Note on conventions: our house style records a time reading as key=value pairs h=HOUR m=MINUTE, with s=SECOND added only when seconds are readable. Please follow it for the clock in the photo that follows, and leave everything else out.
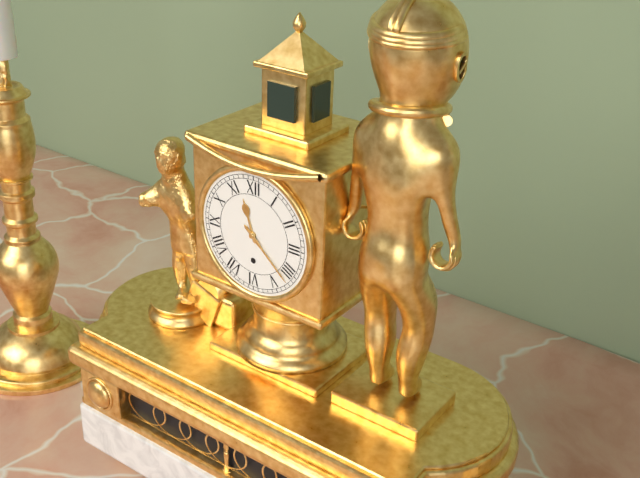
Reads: h=11 m=22
